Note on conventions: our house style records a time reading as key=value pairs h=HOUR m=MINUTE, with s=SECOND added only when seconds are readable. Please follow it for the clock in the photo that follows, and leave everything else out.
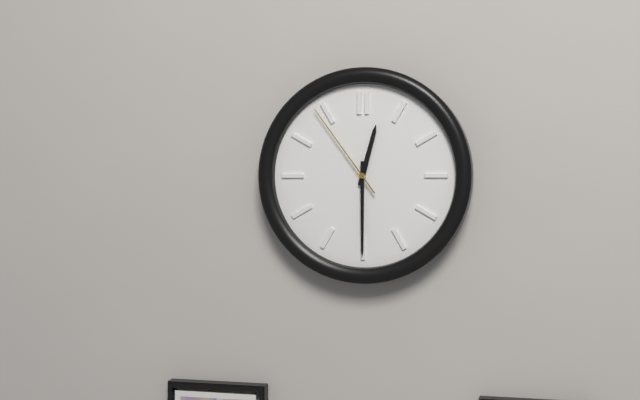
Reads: h=12 m=30 s=54
